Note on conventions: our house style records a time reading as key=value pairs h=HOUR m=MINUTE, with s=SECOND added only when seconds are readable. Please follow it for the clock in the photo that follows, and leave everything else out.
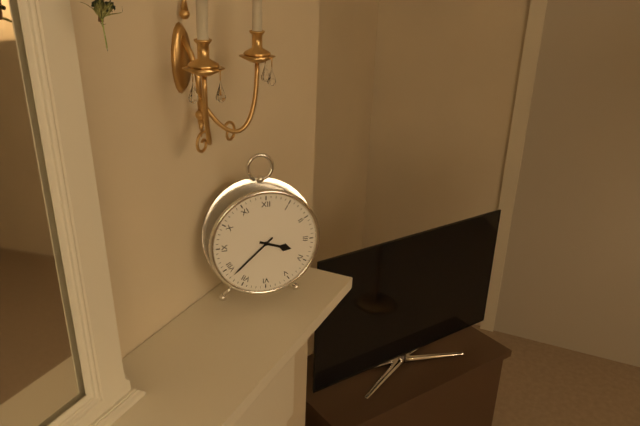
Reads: h=3 m=38
